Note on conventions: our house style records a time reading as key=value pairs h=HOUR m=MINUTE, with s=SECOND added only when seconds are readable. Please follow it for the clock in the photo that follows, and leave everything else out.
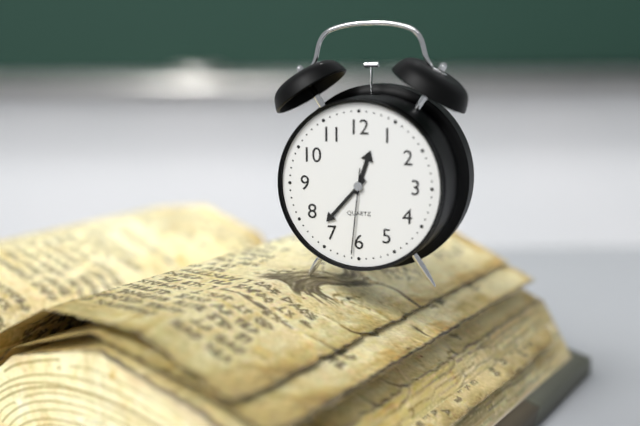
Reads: h=12 m=37 s=31
